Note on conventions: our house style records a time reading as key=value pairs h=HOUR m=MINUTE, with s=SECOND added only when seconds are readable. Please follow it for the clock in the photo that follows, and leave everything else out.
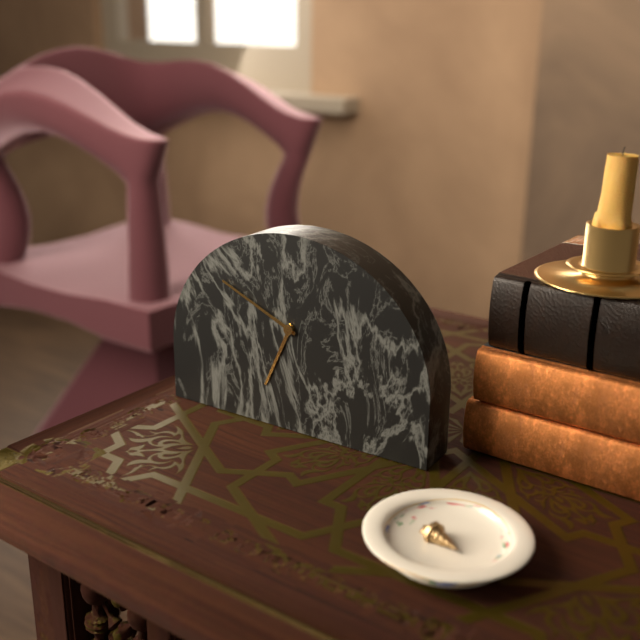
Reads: h=6 m=49
